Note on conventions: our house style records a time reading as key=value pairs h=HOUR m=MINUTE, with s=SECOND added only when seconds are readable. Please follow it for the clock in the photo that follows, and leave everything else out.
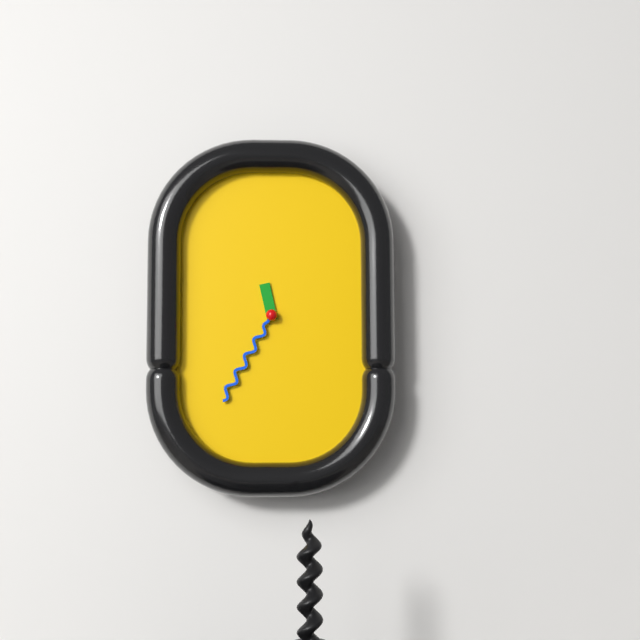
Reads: h=11 m=35
